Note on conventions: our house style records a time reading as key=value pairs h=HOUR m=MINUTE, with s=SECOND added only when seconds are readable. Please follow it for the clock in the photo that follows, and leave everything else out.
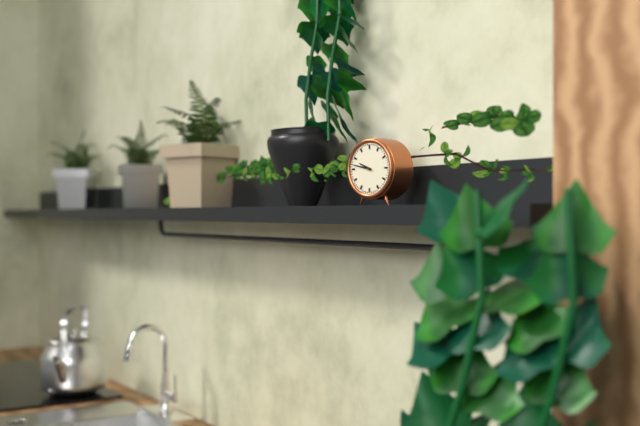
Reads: h=9 m=47
